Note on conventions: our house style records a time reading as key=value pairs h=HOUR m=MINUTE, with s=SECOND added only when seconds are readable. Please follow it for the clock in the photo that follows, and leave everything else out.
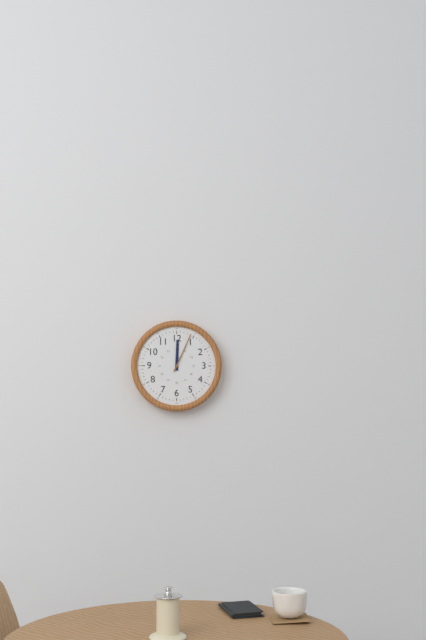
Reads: h=12 m=4
